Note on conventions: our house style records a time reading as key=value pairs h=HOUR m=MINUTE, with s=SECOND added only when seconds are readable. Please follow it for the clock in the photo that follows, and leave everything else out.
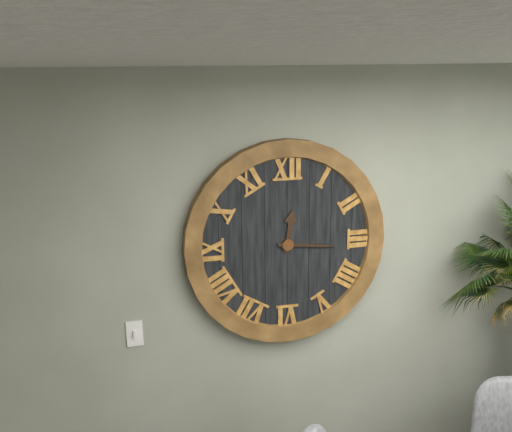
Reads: h=12 m=16
